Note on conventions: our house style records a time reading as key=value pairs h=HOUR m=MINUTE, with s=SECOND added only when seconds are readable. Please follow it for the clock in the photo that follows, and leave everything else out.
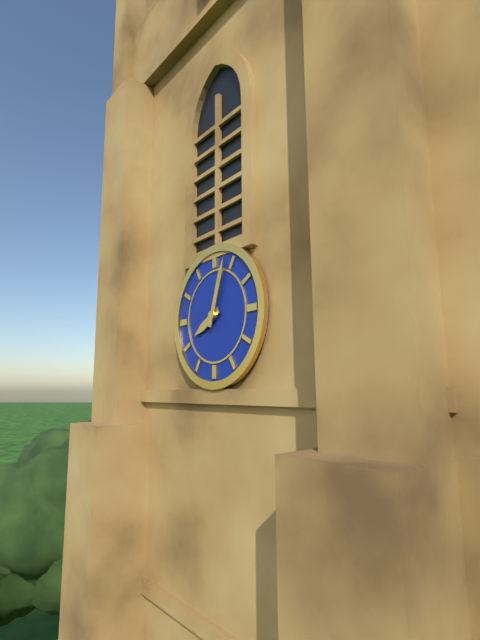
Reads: h=8 m=3
